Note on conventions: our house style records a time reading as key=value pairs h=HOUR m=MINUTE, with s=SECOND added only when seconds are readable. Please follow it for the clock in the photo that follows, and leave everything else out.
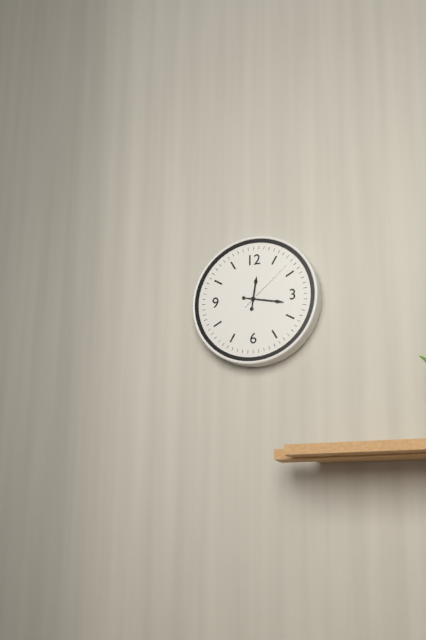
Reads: h=12 m=17 s=8
